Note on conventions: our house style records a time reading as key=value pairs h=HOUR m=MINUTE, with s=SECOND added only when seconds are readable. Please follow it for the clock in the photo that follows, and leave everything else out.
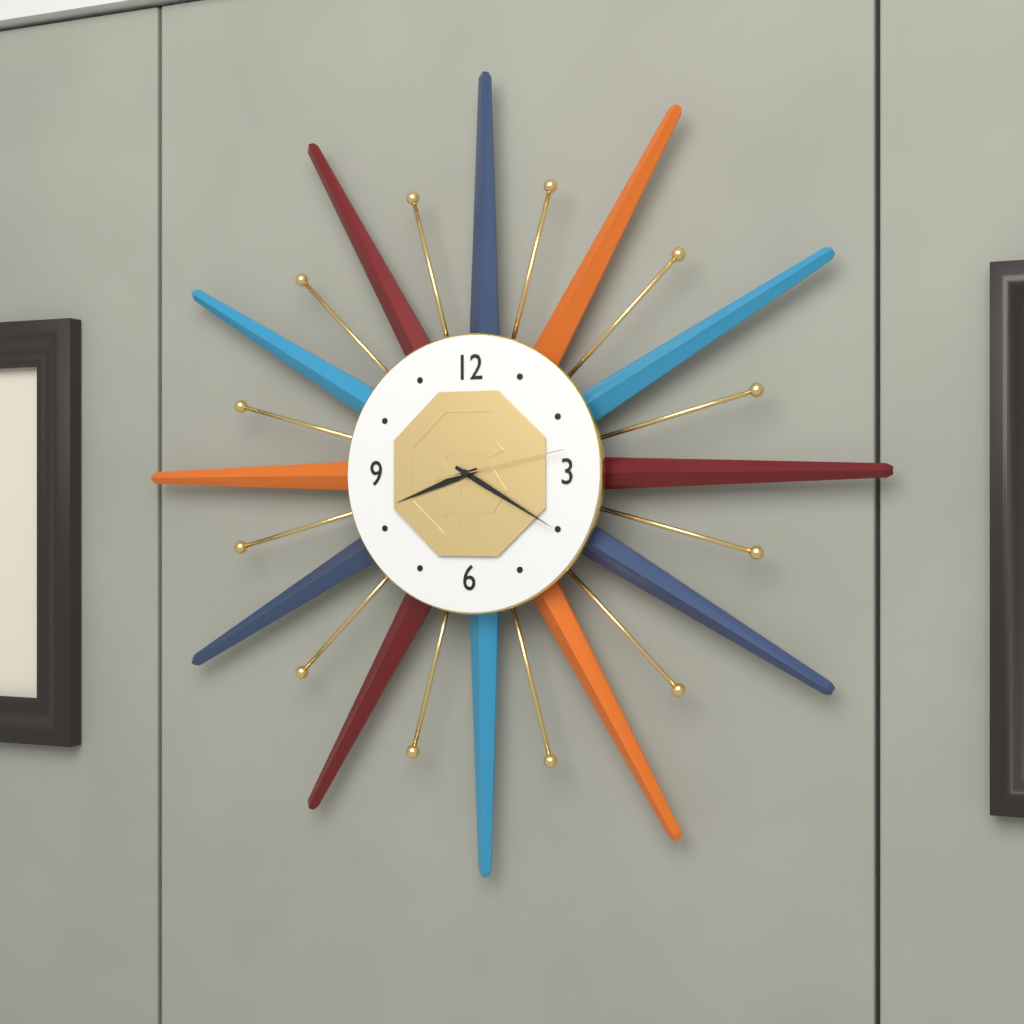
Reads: h=8 m=20 s=13
